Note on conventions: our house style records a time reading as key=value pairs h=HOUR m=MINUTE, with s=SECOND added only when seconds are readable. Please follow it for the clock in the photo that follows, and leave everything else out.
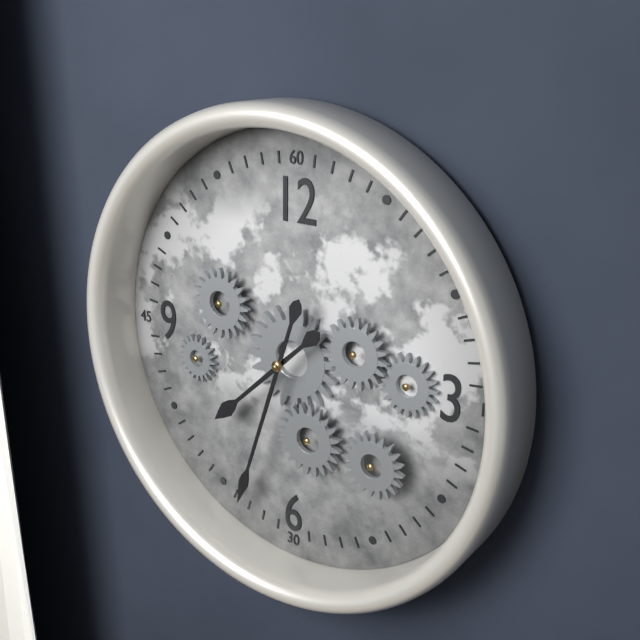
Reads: h=7 m=33
